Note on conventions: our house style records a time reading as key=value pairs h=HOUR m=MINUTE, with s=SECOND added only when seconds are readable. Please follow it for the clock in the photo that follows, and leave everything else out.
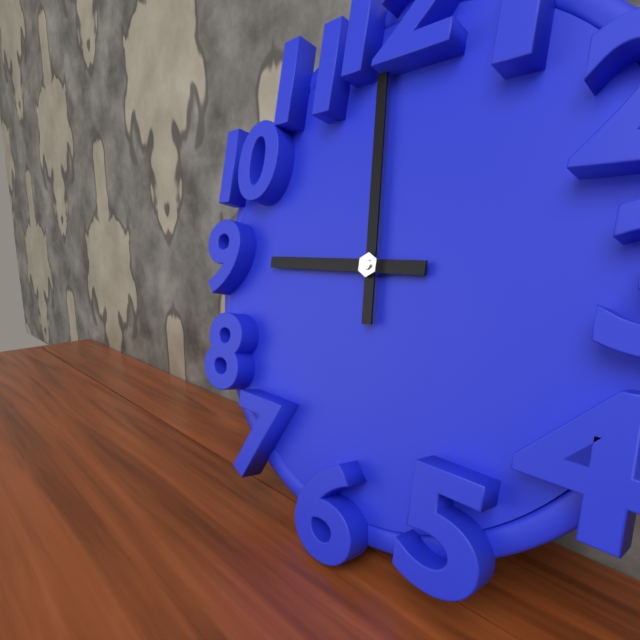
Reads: h=8 m=59
